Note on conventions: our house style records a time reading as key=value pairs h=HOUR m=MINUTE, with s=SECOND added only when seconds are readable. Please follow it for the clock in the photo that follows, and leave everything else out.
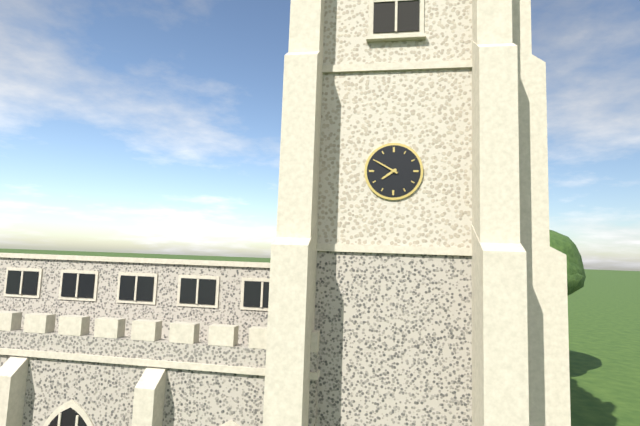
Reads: h=7 m=50
